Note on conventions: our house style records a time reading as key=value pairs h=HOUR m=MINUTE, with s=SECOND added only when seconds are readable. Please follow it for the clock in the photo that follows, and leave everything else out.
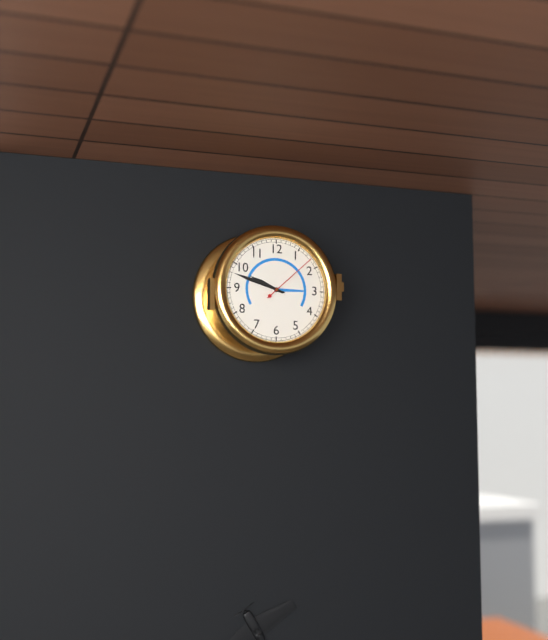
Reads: h=9 m=48 s=8
